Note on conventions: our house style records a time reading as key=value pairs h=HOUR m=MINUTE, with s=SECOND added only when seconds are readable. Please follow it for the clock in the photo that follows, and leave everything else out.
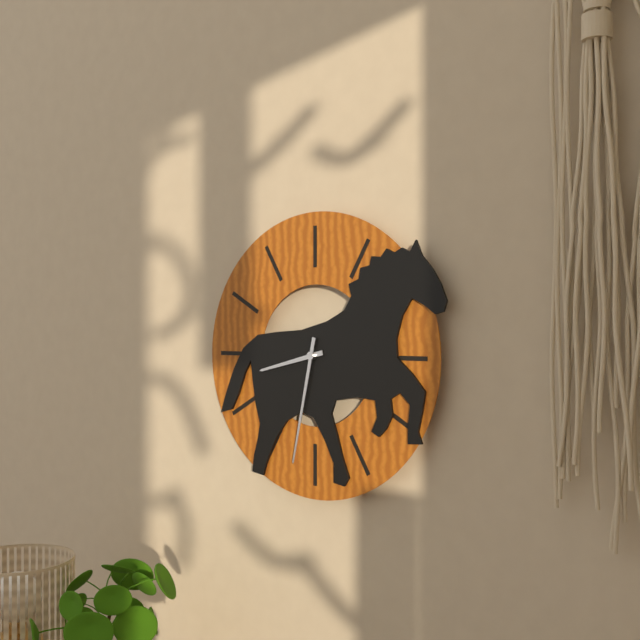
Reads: h=8 m=32
